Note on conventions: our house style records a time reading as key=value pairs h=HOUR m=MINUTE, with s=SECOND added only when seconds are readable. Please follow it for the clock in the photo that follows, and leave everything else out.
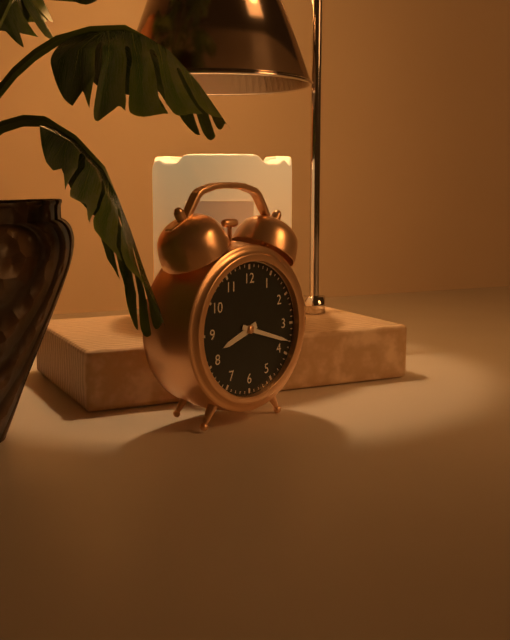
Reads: h=8 m=18
